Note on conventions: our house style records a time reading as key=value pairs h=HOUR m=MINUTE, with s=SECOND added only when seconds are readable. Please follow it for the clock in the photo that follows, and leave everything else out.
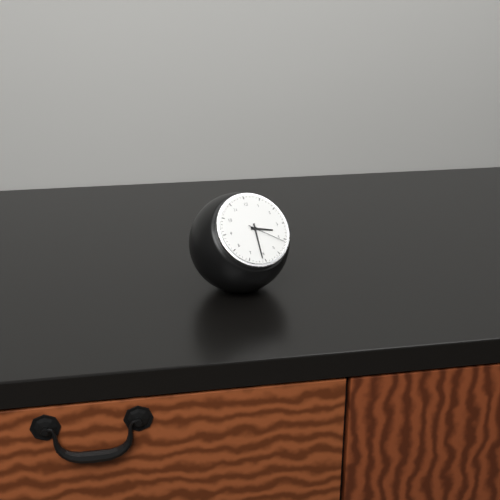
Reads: h=3 m=31
